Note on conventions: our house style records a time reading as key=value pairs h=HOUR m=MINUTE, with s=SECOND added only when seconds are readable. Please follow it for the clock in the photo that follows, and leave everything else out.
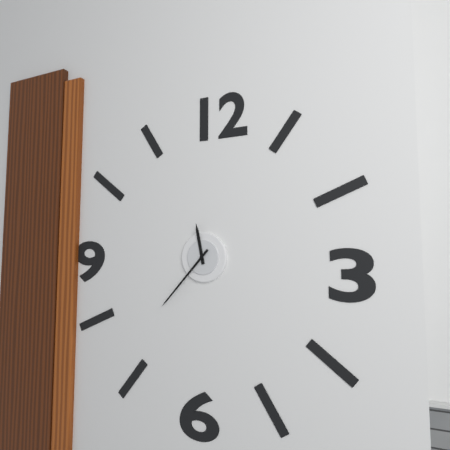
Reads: h=11 m=37
